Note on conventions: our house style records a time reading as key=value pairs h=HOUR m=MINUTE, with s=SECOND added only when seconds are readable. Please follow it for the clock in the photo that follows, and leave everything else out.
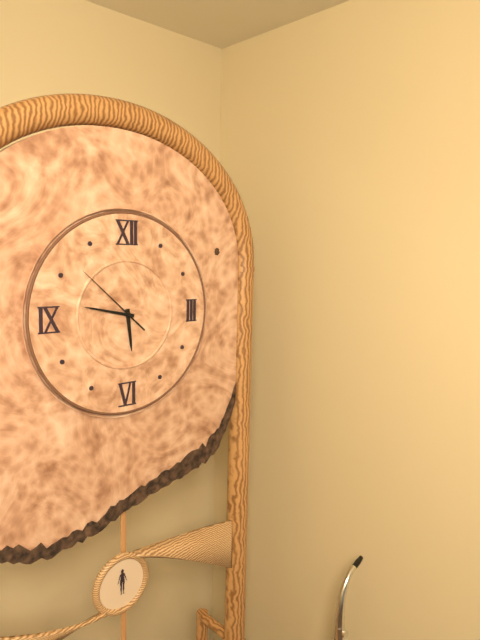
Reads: h=5 m=47 s=52
